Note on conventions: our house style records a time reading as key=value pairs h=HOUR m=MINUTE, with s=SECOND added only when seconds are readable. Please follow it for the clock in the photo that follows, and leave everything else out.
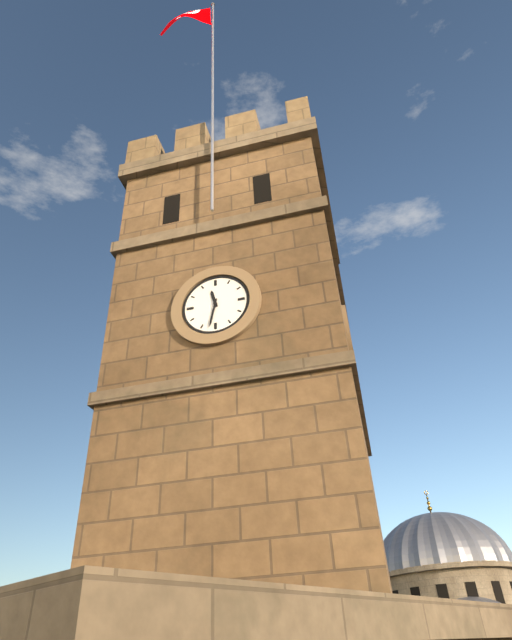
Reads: h=11 m=32
